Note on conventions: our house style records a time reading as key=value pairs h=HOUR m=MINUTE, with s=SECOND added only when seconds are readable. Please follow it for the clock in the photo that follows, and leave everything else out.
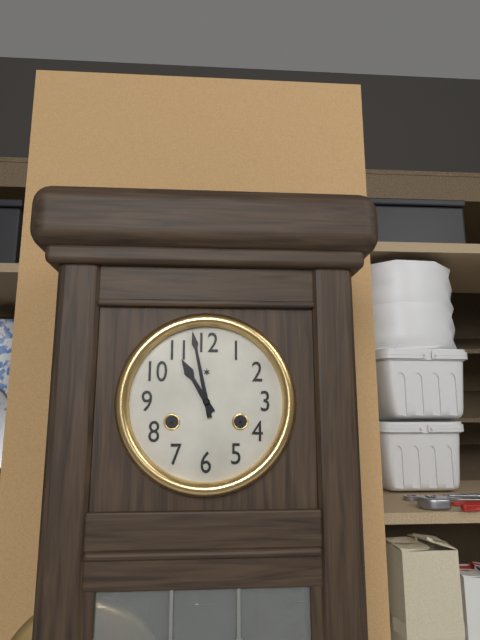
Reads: h=10 m=58
